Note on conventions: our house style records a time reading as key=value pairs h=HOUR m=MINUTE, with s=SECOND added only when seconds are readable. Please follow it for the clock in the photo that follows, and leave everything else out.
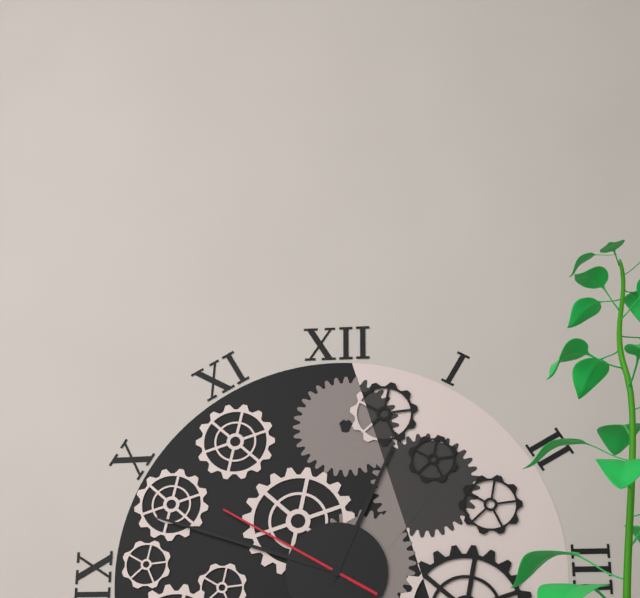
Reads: h=12 m=48 s=50
